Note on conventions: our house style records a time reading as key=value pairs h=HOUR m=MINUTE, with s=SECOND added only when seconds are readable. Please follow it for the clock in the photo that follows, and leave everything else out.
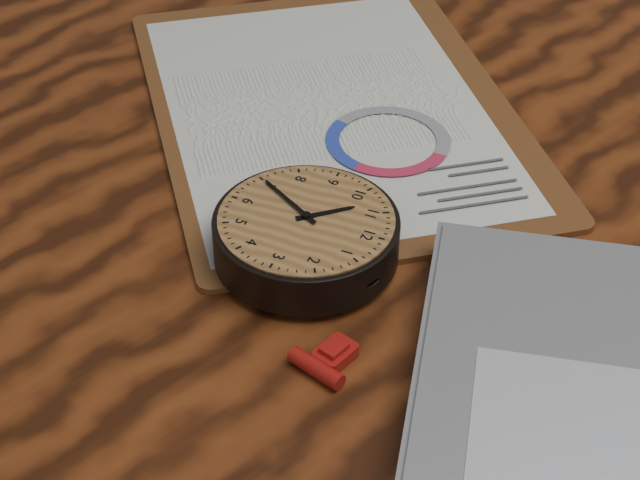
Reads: h=10 m=35
